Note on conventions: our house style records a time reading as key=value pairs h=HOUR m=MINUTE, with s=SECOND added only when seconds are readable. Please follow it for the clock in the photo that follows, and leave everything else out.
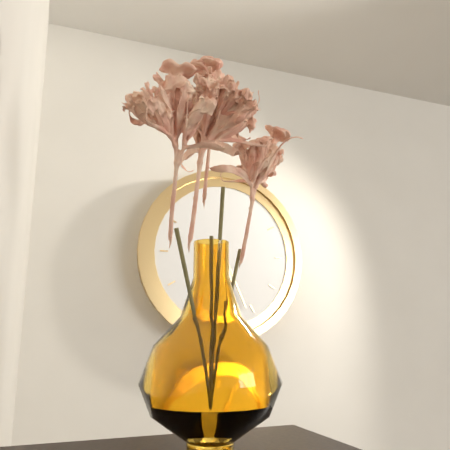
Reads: h=5 m=26
